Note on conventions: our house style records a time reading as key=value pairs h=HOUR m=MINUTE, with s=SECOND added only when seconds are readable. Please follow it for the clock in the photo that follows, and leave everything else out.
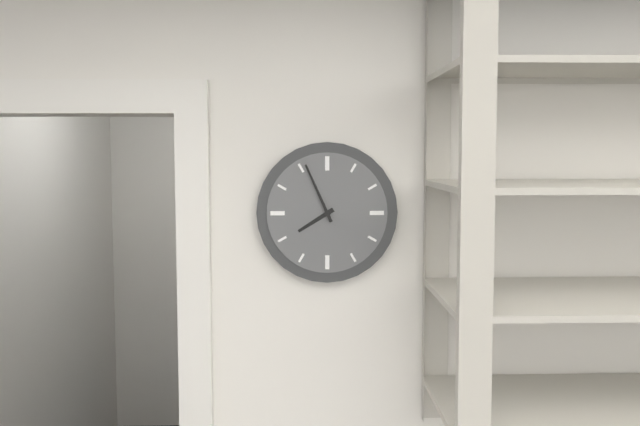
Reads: h=7 m=56
